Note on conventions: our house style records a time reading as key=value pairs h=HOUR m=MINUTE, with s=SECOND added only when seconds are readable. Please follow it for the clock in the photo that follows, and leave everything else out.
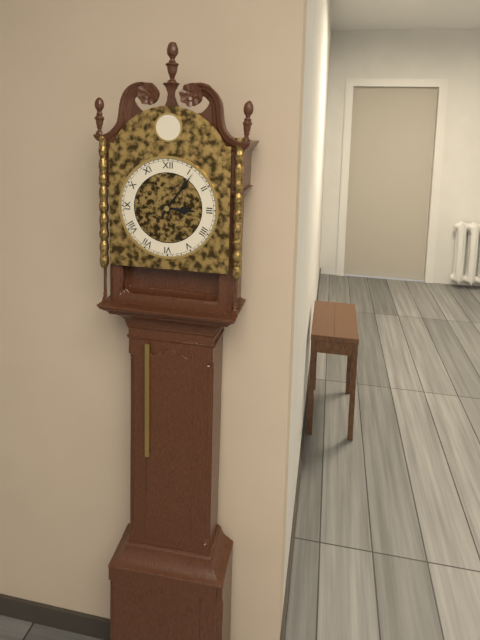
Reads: h=3 m=6
